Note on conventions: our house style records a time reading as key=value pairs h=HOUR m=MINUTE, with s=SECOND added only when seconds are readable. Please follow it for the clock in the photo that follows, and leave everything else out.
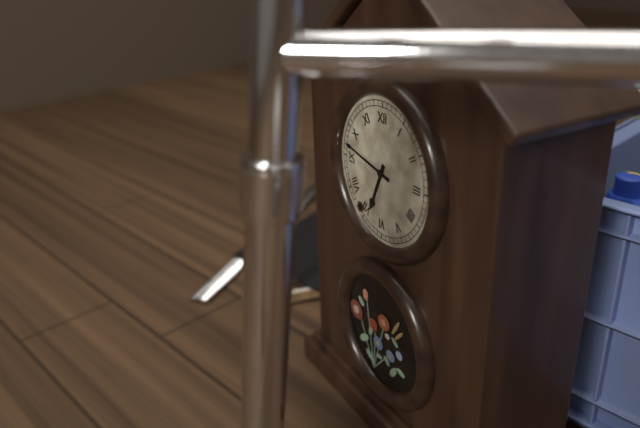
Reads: h=6 m=47
